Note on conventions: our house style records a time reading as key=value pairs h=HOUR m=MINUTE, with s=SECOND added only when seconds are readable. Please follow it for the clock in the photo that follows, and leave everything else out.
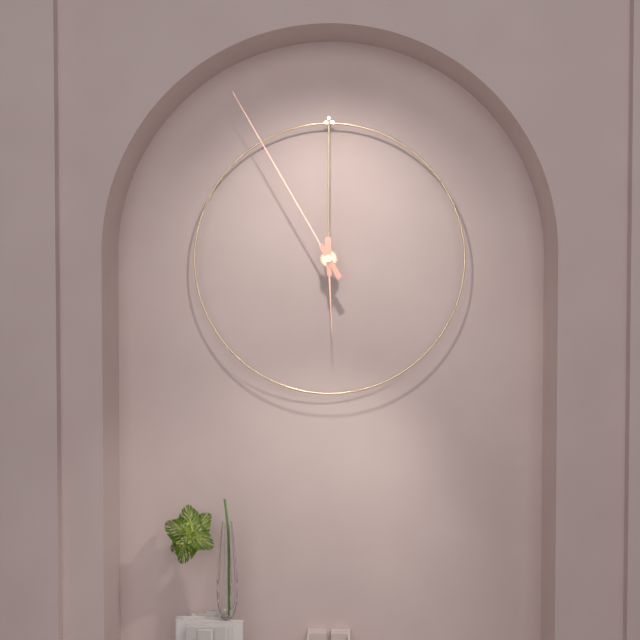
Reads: h=5 m=55
